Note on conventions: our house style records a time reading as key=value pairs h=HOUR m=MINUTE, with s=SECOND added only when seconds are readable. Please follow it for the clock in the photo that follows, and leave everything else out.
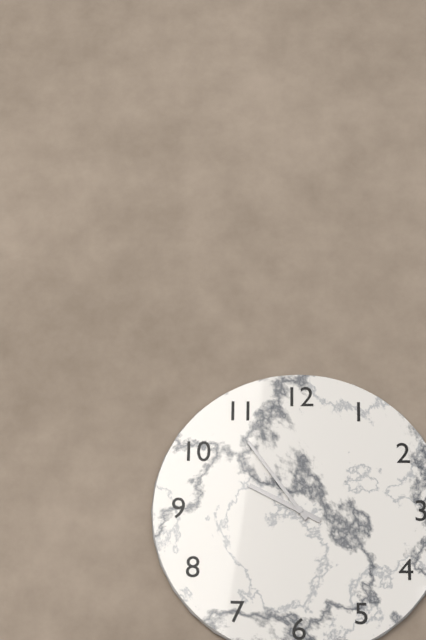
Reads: h=9 m=54
